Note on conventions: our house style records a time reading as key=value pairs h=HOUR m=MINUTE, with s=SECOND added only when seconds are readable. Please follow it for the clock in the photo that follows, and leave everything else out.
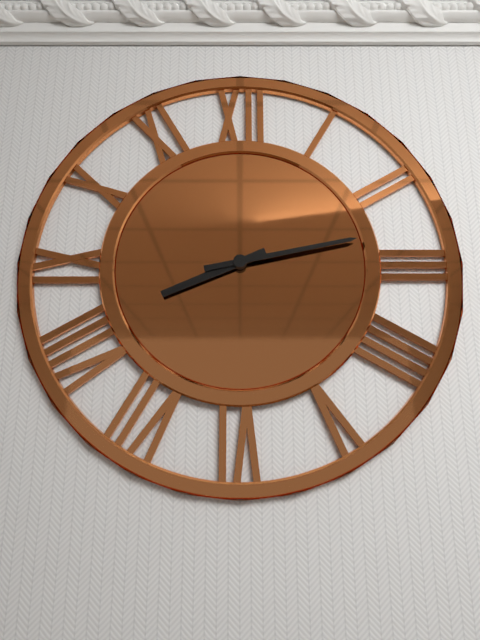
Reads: h=8 m=13
